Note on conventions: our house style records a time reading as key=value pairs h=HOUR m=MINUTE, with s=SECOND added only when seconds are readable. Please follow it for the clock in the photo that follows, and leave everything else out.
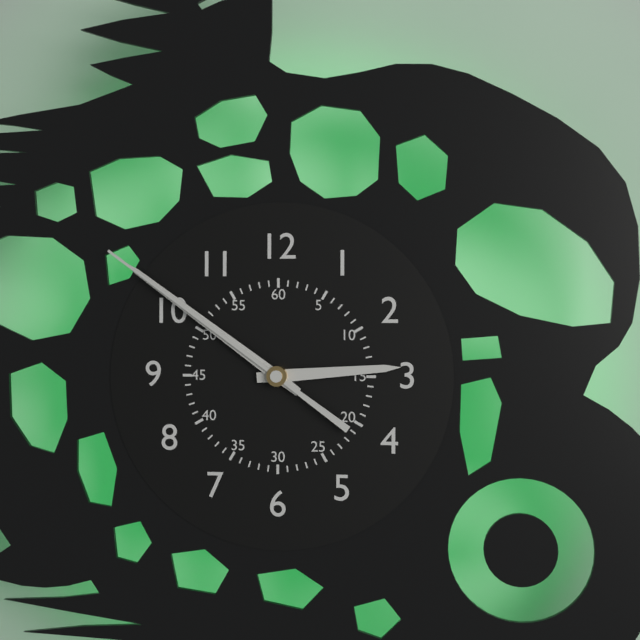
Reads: h=2 m=51 s=51
